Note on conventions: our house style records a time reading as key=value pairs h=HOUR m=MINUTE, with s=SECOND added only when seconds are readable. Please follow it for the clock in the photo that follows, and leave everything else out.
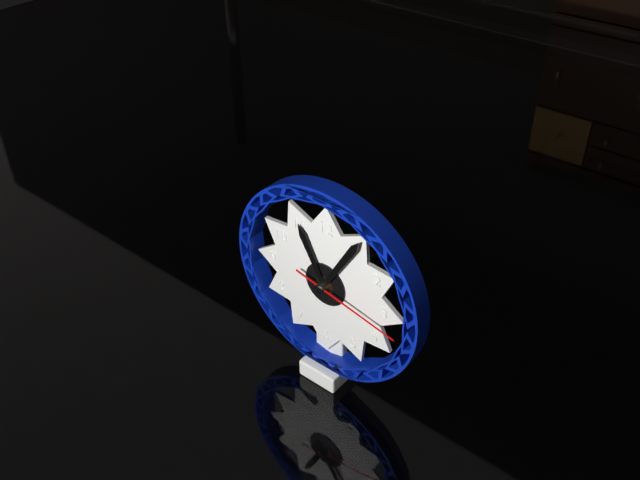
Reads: h=11 m=5 s=17
